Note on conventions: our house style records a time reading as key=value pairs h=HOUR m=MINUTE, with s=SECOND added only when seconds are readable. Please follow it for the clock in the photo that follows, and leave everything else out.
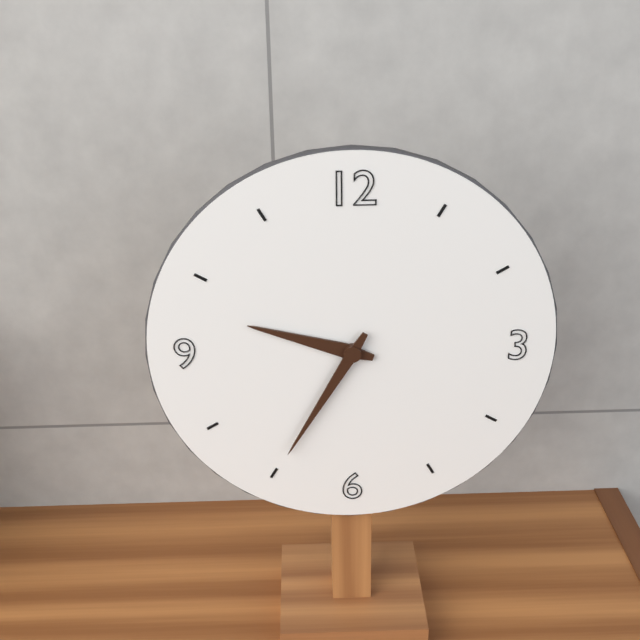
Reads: h=9 m=35
